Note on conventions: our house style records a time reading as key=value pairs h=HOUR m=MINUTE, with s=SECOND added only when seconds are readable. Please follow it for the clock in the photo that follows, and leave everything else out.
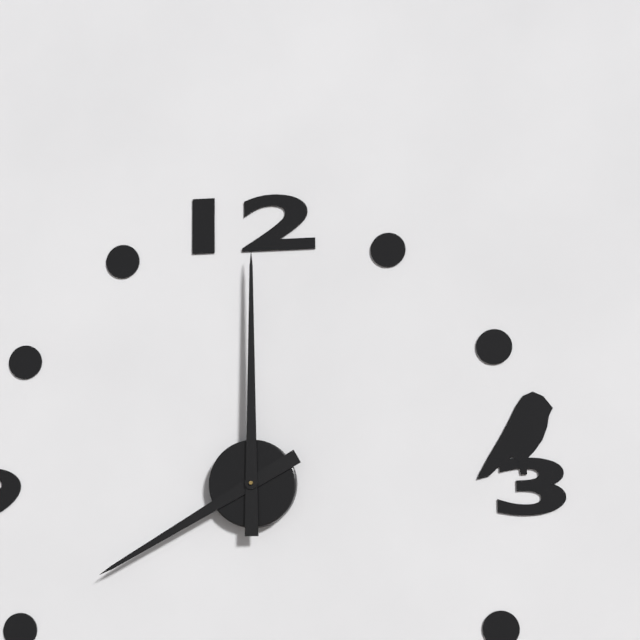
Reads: h=8 m=0
